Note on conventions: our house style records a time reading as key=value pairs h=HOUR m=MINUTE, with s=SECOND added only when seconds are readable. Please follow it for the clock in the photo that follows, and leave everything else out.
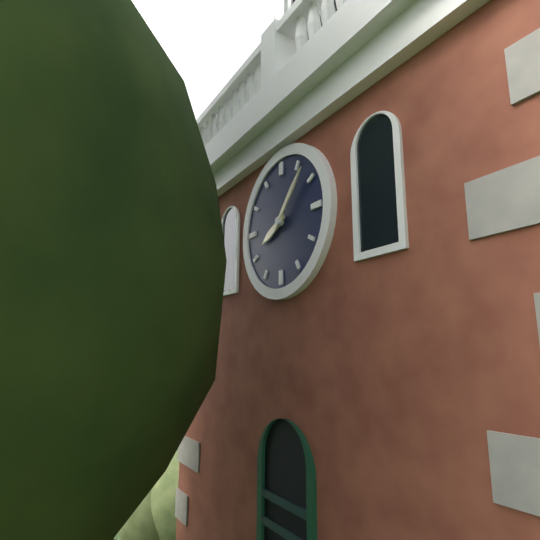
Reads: h=8 m=7
